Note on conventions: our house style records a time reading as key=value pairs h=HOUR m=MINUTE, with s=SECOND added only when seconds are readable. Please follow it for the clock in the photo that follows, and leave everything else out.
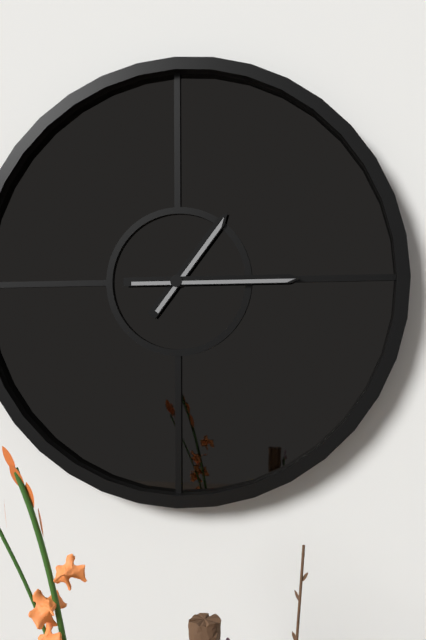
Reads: h=1 m=15
